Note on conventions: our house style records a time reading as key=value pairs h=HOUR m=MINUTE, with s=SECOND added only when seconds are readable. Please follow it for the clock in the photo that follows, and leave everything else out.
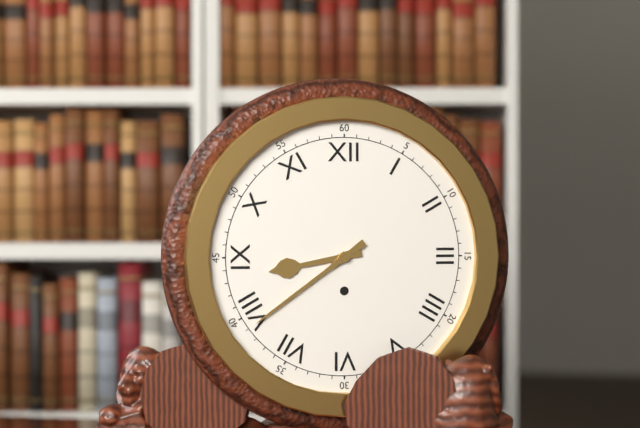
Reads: h=8 m=39
